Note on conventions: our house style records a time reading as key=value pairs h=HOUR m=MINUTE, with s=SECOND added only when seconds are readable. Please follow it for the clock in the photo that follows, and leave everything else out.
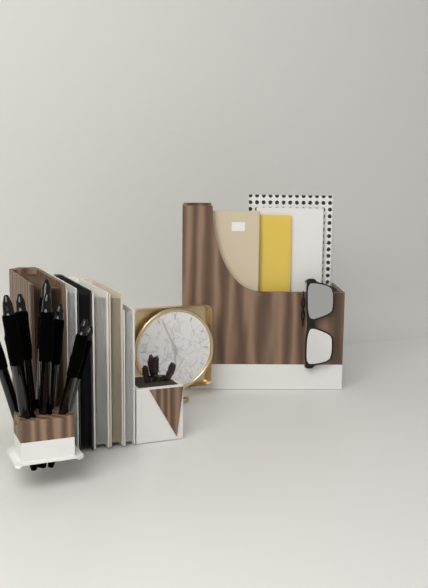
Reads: h=5 m=56
